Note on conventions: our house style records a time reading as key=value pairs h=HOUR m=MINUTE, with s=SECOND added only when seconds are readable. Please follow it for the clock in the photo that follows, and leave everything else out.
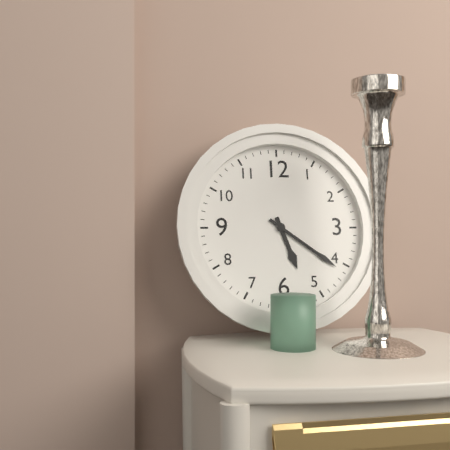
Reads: h=5 m=21
